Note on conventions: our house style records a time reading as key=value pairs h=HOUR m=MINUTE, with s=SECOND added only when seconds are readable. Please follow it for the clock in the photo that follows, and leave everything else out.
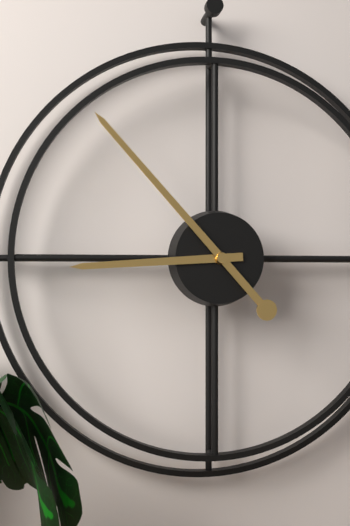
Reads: h=8 m=53
